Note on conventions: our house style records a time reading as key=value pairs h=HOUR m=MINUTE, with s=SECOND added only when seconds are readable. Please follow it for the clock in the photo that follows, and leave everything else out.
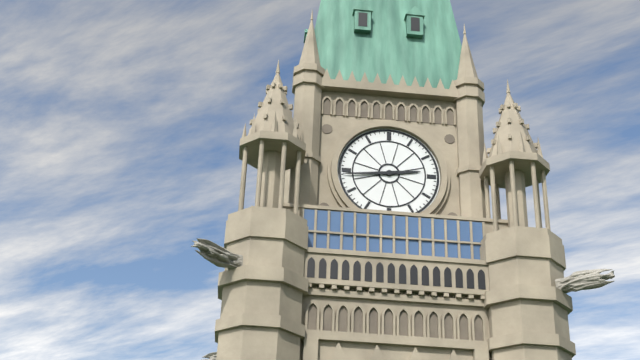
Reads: h=2 m=44
